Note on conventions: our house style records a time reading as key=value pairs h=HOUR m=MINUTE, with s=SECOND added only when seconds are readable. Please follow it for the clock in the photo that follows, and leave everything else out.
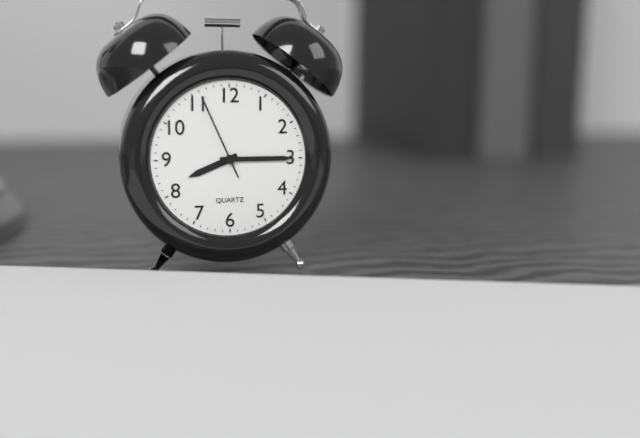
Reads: h=8 m=15 s=56
